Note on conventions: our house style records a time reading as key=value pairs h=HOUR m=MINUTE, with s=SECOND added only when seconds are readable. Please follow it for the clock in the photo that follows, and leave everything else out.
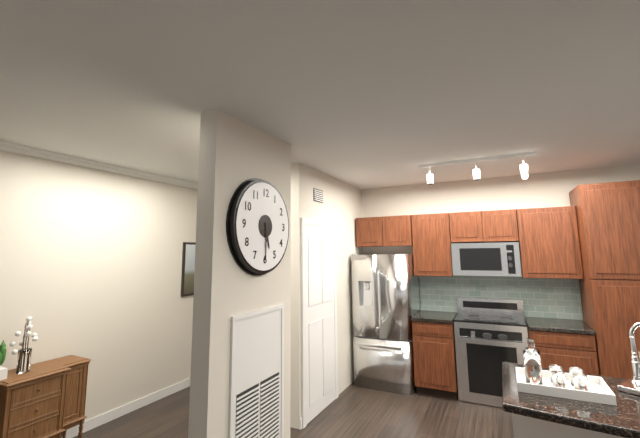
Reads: h=5 m=30
